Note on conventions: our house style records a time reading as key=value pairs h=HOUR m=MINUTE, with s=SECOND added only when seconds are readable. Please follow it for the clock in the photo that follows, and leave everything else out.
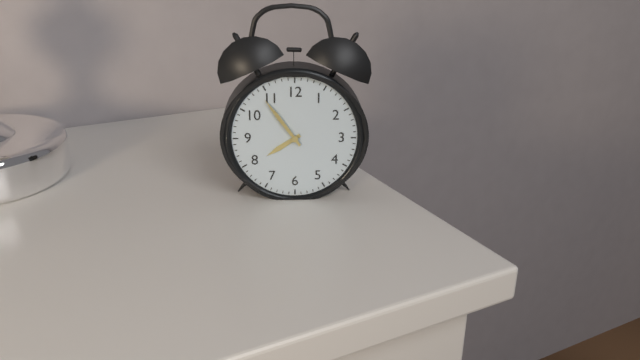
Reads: h=7 m=54
